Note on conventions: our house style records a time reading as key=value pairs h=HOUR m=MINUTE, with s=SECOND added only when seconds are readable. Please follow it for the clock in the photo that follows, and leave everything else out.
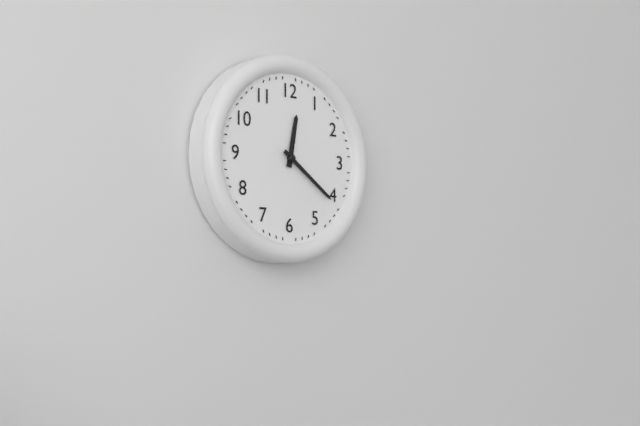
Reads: h=12 m=21
